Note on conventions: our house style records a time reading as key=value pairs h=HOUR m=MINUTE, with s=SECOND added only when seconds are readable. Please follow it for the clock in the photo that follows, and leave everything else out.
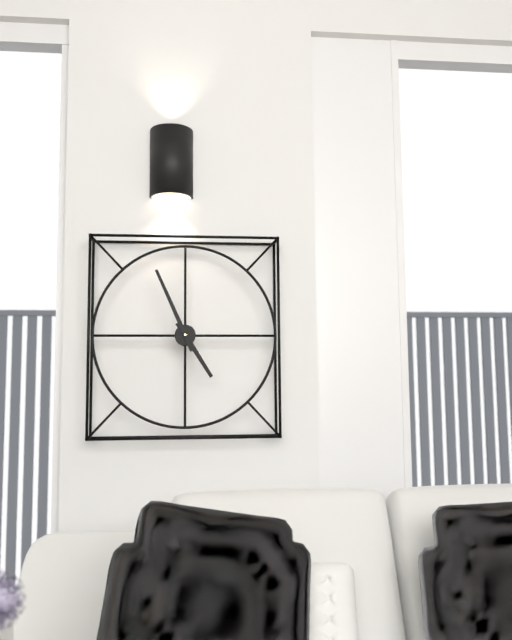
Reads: h=4 m=56
